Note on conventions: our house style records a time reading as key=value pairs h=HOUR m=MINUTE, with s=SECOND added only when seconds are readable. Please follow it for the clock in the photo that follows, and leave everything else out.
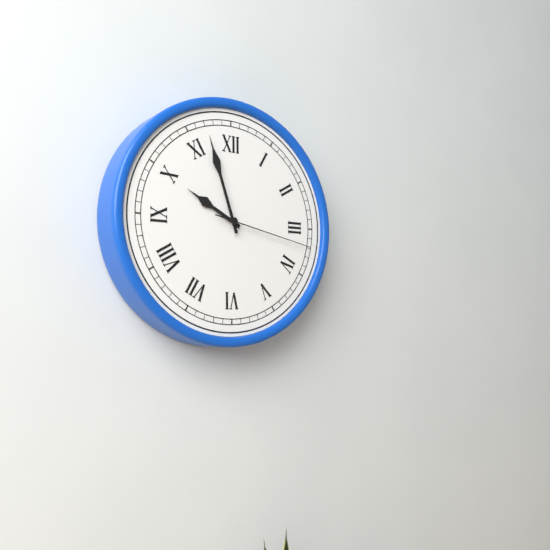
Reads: h=9 m=57 s=17
